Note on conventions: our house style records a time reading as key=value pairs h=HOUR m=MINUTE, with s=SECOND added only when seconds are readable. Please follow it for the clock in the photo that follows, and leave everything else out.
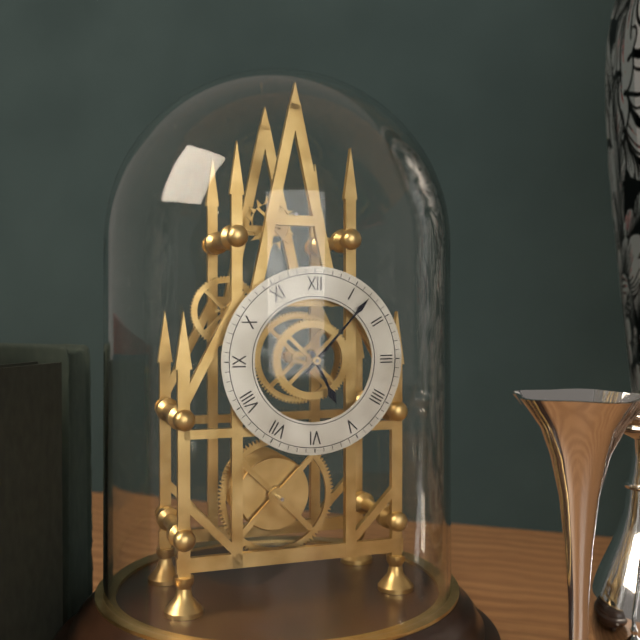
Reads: h=5 m=7
